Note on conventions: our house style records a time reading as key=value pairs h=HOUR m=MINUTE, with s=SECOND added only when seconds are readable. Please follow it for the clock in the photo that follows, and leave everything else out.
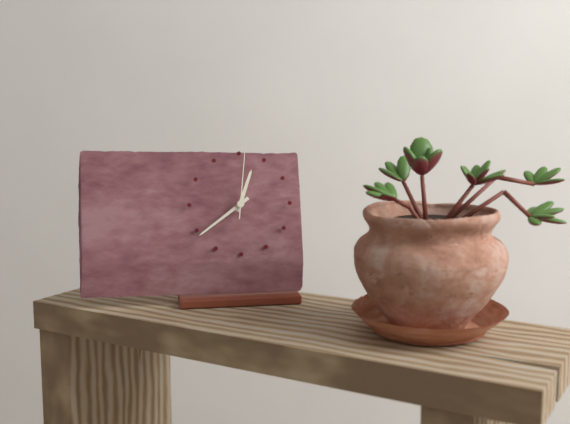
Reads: h=12 m=39 s=1
